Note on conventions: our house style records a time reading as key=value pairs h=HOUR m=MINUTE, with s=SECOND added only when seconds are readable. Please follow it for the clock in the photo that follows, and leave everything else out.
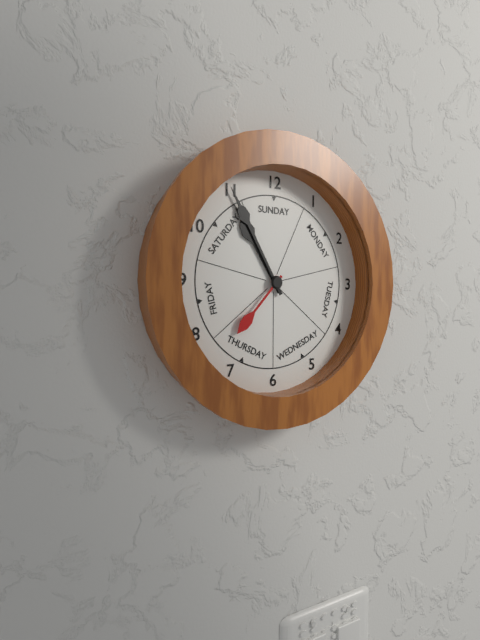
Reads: h=10 m=55 s=37
